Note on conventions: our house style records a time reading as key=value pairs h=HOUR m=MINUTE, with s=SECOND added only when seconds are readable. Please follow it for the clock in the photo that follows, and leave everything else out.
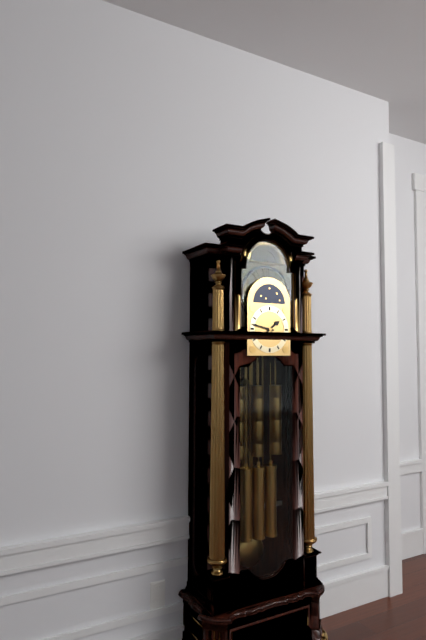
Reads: h=1 m=47
